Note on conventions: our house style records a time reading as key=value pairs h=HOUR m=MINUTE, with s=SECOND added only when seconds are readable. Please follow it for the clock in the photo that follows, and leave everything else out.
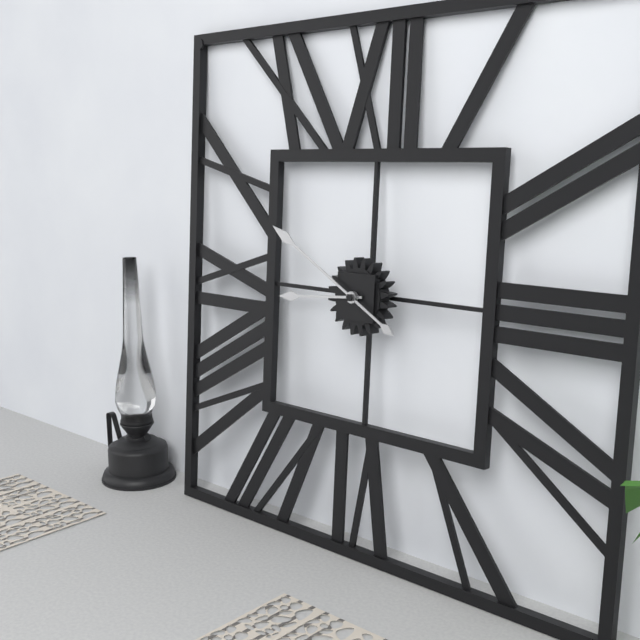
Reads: h=8 m=50
